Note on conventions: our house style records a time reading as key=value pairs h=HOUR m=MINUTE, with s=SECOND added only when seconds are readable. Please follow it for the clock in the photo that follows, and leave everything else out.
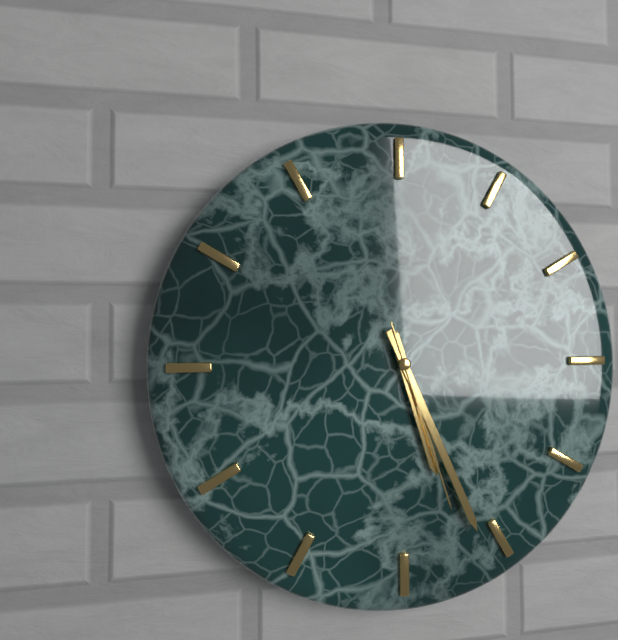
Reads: h=5 m=26 s=27
